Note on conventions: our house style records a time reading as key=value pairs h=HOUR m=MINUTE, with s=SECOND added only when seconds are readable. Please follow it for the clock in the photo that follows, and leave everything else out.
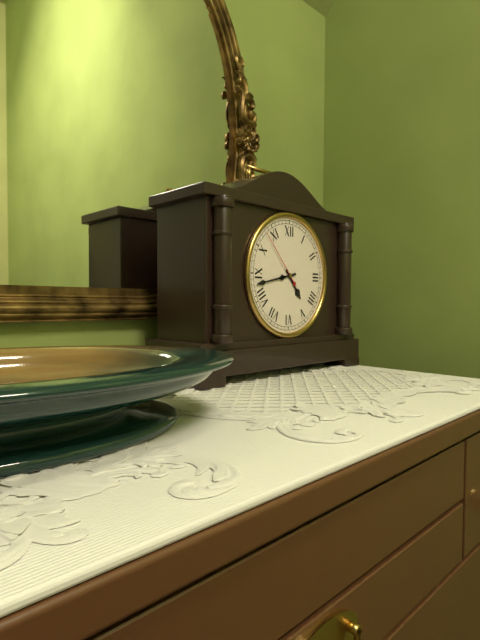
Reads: h=4 m=43 s=53
